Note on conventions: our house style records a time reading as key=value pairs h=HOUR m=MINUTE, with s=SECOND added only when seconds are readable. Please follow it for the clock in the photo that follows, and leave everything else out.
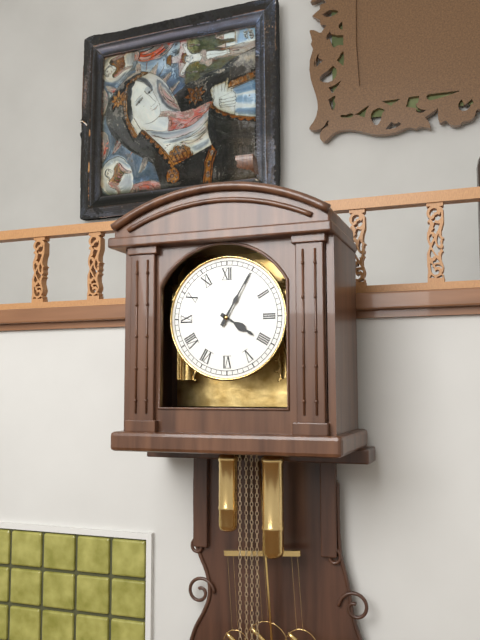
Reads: h=4 m=5
